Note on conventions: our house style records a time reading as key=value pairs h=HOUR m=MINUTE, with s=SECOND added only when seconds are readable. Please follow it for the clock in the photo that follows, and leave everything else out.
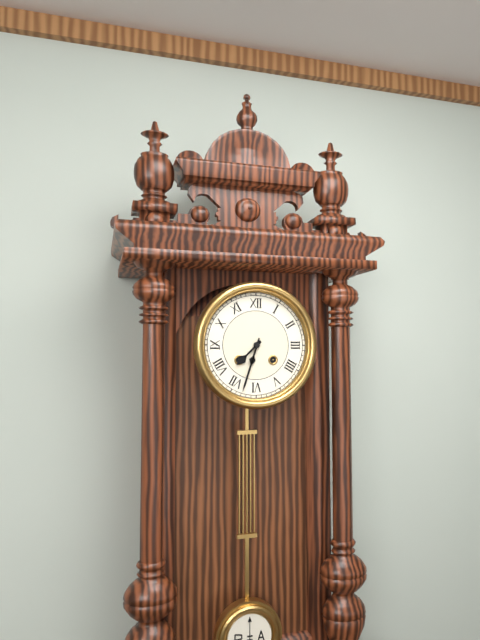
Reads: h=7 m=33
